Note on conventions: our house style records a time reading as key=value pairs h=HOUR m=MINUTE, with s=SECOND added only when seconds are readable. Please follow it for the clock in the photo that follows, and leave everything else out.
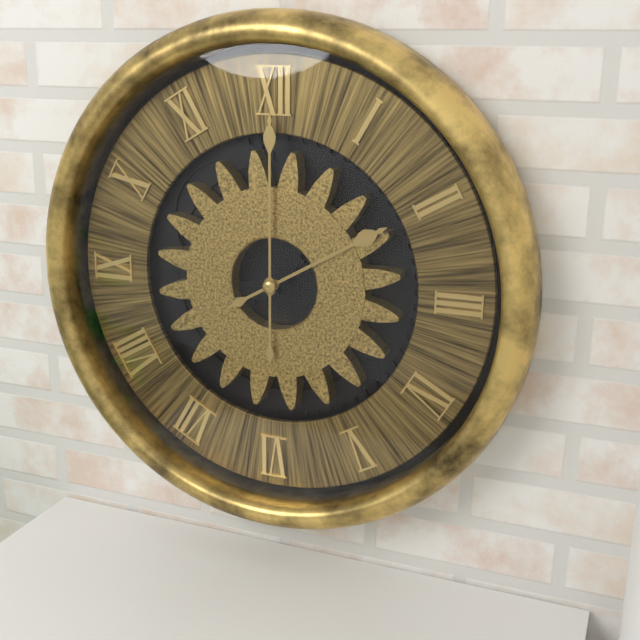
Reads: h=2 m=0
